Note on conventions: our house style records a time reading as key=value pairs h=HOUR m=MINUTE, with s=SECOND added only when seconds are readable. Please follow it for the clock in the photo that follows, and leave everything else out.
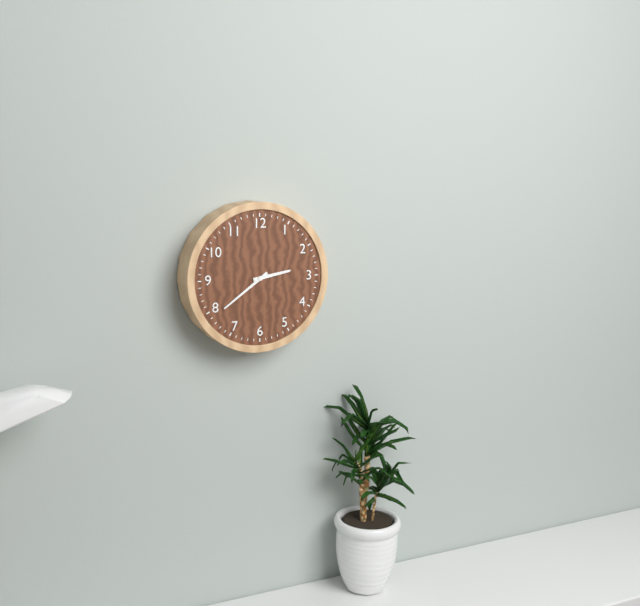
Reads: h=2 m=39
